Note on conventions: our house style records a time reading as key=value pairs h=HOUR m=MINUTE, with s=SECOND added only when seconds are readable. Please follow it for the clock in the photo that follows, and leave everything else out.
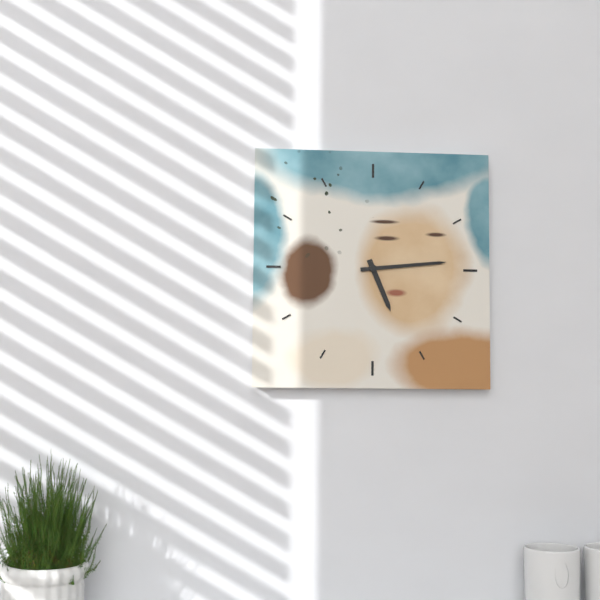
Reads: h=5 m=14
